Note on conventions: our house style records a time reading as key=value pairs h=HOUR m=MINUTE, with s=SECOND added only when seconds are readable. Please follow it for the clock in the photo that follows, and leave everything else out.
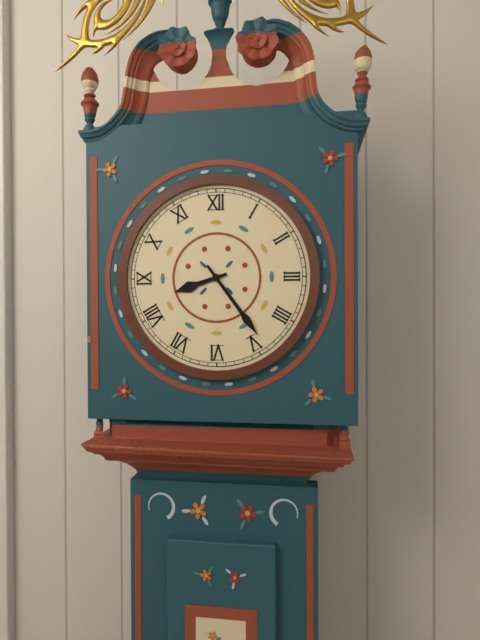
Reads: h=8 m=24
